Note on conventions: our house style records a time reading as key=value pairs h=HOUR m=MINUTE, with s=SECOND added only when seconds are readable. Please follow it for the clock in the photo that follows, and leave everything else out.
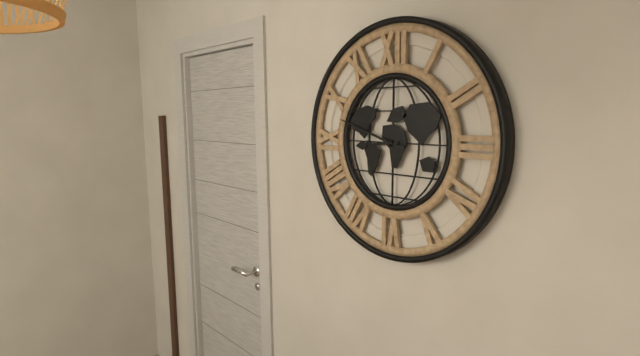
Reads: h=8 m=48
